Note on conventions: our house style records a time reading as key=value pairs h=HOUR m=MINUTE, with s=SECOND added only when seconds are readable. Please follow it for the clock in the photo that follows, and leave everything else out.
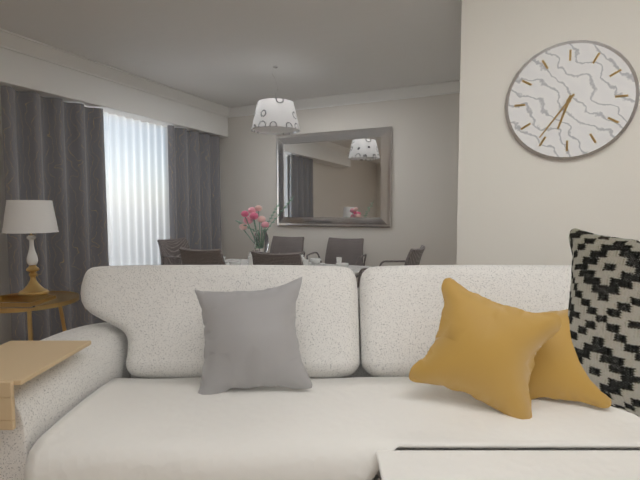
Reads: h=6 m=36
